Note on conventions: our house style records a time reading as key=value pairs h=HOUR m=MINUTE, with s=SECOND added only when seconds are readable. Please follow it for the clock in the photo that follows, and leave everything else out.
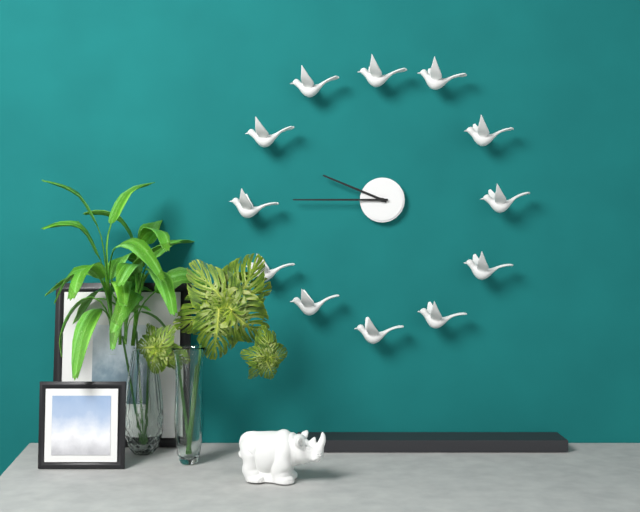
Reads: h=9 m=45
